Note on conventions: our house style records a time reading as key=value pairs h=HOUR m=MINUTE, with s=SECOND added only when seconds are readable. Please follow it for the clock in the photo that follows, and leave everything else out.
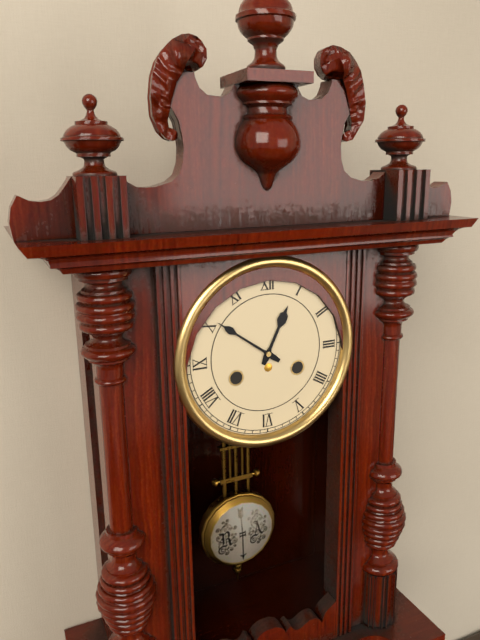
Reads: h=12 m=51
